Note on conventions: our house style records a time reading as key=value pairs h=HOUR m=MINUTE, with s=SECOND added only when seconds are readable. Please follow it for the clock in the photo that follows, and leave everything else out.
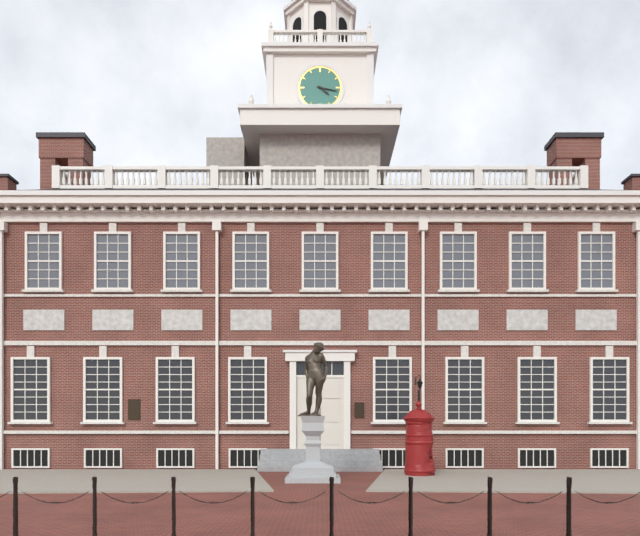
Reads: h=4 m=17
